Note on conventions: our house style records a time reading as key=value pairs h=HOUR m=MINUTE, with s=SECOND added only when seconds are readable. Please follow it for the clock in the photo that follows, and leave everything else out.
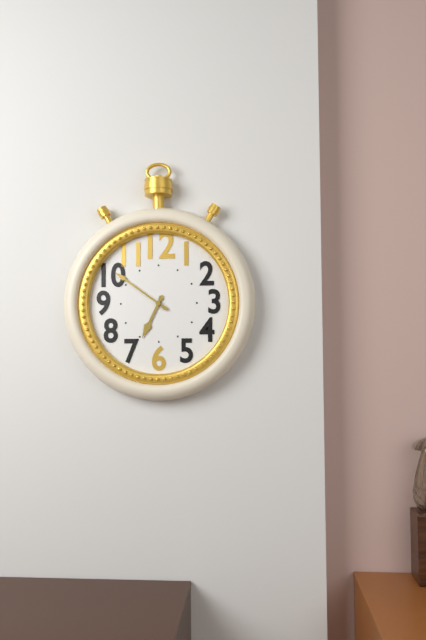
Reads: h=6 m=51
